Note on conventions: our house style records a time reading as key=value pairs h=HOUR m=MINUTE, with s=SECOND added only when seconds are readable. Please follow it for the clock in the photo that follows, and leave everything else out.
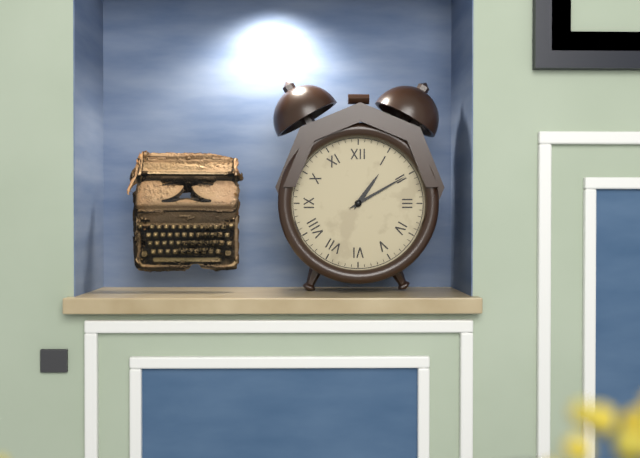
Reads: h=1 m=10
